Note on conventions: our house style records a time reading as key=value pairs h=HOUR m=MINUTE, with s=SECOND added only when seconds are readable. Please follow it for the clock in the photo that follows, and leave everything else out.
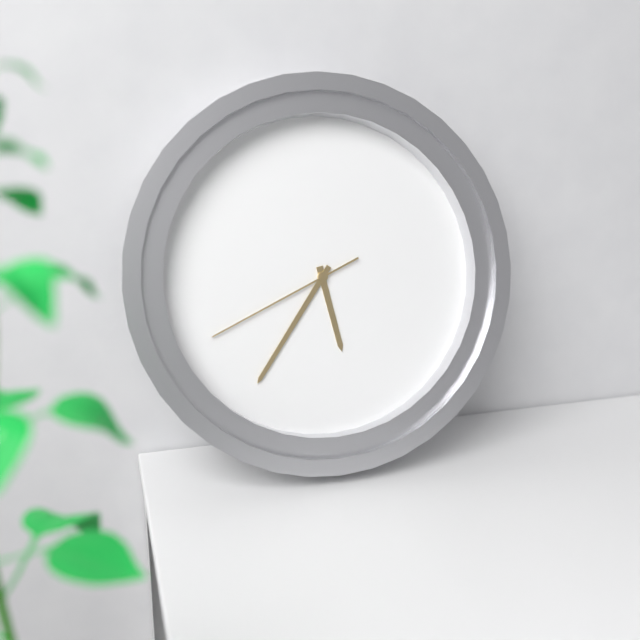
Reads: h=5 m=36 s=41
